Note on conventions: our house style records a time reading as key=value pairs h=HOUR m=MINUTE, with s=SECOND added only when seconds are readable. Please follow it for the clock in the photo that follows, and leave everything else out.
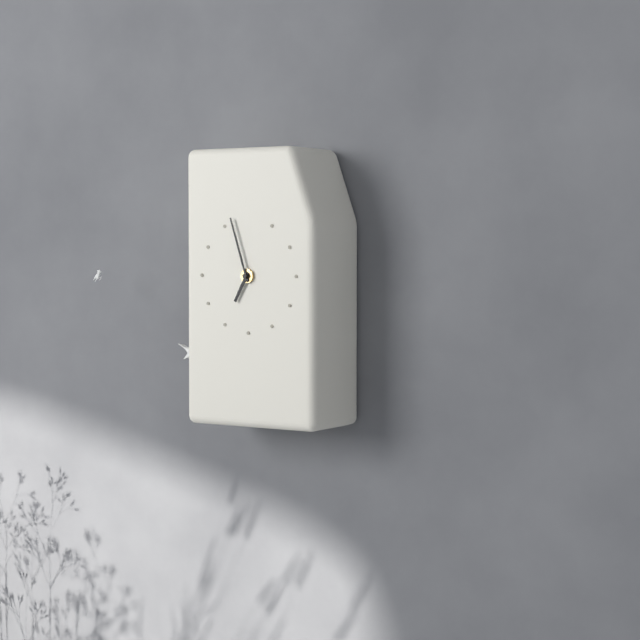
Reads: h=6 m=57
